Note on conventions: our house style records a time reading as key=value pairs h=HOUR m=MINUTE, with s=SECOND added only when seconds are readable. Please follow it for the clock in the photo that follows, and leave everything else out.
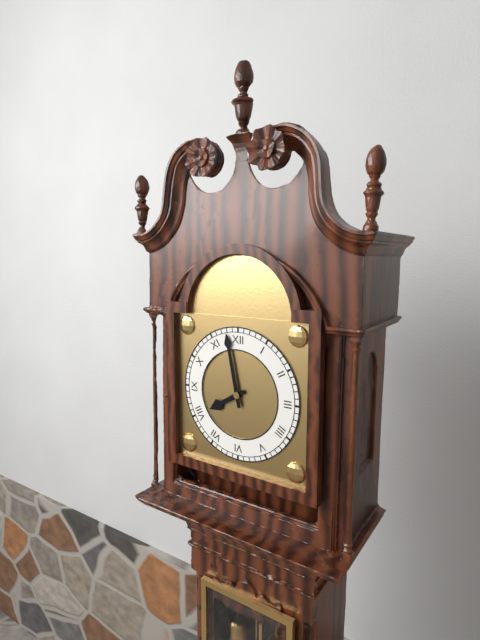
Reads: h=7 m=58
